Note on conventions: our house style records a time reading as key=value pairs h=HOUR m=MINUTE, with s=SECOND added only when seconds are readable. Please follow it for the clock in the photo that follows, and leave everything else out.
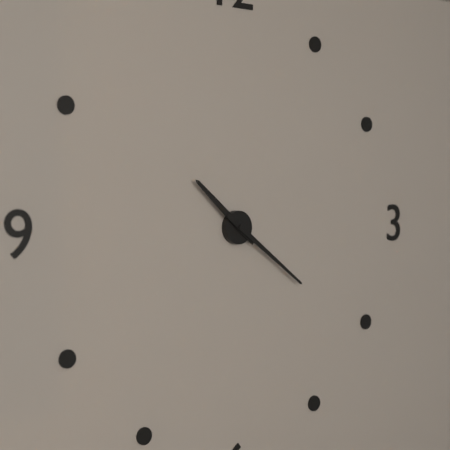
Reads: h=10 m=21
